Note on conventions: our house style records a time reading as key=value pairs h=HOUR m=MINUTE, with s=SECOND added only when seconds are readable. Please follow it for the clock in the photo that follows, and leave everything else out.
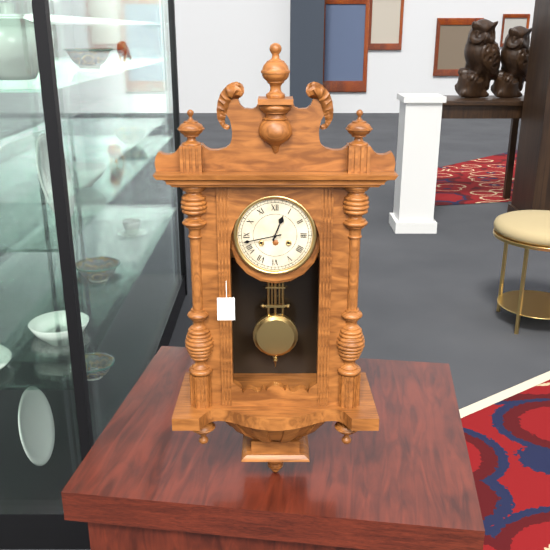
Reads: h=12 m=43
